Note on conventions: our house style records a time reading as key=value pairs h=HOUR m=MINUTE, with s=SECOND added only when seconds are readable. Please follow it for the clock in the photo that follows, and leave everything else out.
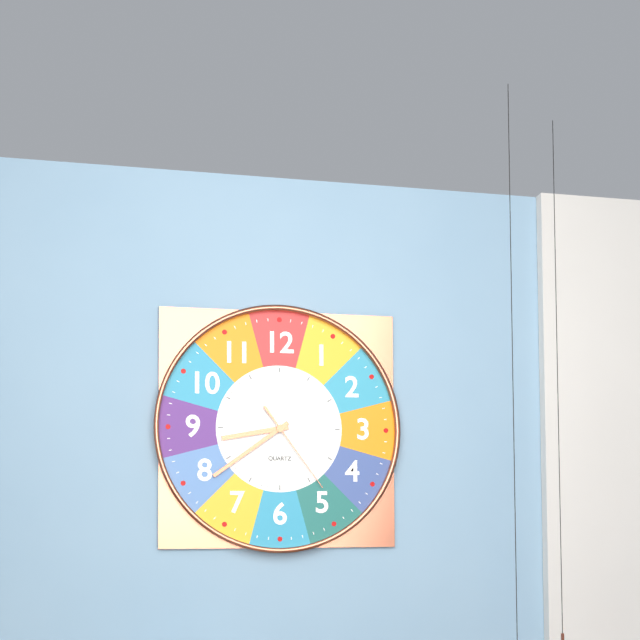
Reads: h=8 m=39 s=24
